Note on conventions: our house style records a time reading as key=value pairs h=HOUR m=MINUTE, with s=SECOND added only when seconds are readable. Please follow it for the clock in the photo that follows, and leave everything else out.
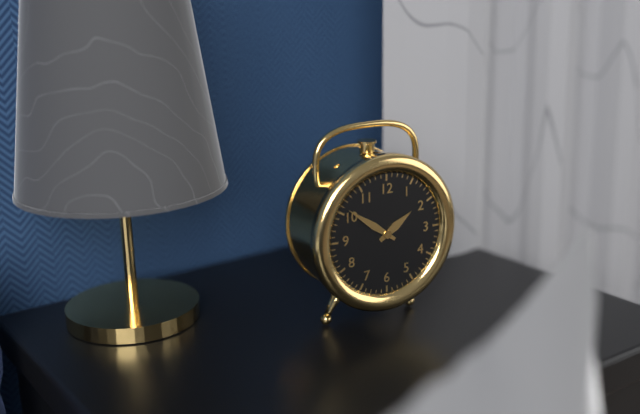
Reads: h=1 m=51
